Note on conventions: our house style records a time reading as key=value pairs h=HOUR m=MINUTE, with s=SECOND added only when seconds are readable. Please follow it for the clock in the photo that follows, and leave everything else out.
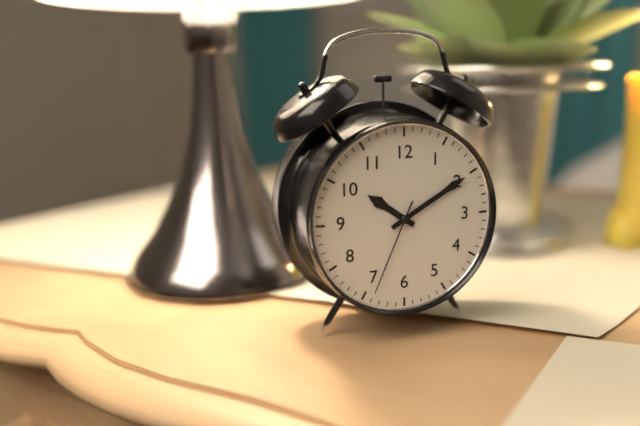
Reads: h=10 m=10 s=34
